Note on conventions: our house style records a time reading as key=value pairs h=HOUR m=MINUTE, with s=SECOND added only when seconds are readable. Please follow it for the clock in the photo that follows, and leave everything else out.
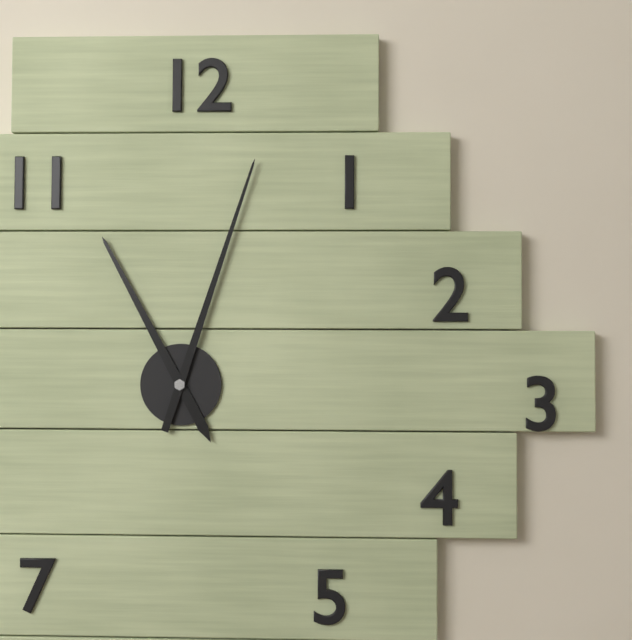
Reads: h=11 m=3
